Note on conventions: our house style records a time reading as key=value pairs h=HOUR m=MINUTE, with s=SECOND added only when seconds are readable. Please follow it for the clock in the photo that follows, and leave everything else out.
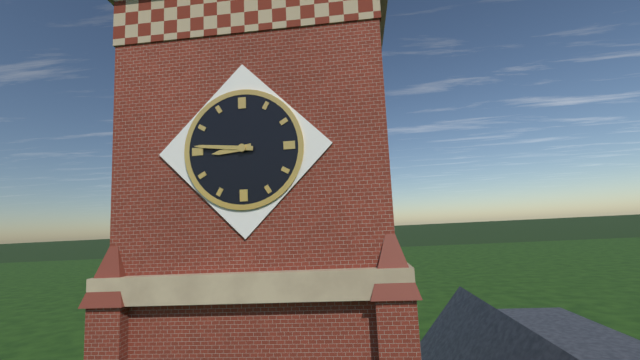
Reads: h=8 m=46
